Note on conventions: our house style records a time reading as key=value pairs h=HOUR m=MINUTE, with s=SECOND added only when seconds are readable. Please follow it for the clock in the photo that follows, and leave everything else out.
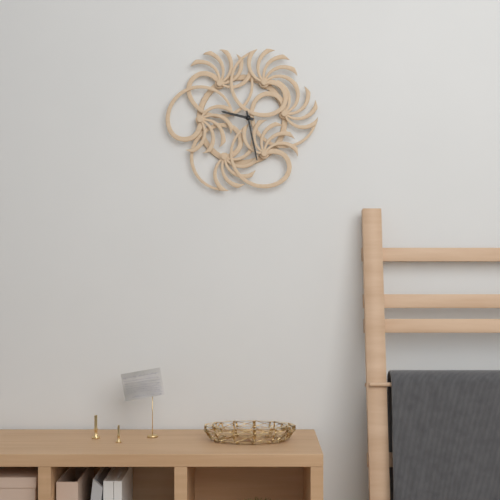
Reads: h=9 m=28
